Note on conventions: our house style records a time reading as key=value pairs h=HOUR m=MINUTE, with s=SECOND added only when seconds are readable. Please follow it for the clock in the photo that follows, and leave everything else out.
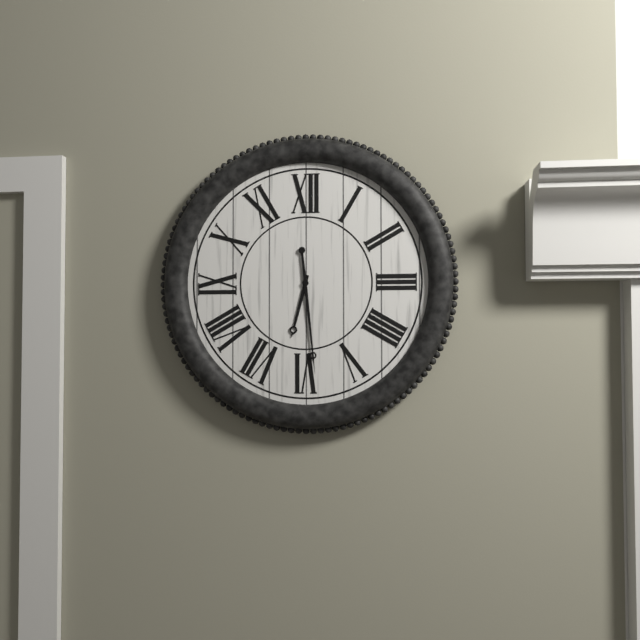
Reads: h=6 m=29
